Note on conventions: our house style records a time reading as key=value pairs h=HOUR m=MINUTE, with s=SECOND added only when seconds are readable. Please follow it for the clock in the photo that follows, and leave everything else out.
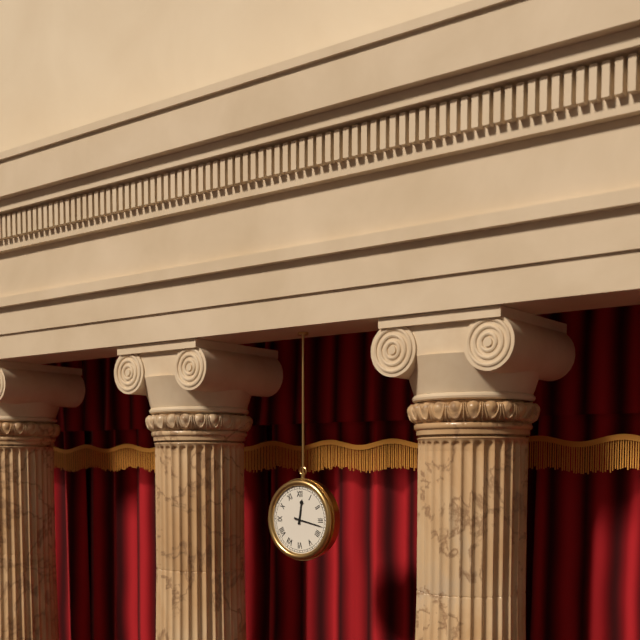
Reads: h=12 m=17
